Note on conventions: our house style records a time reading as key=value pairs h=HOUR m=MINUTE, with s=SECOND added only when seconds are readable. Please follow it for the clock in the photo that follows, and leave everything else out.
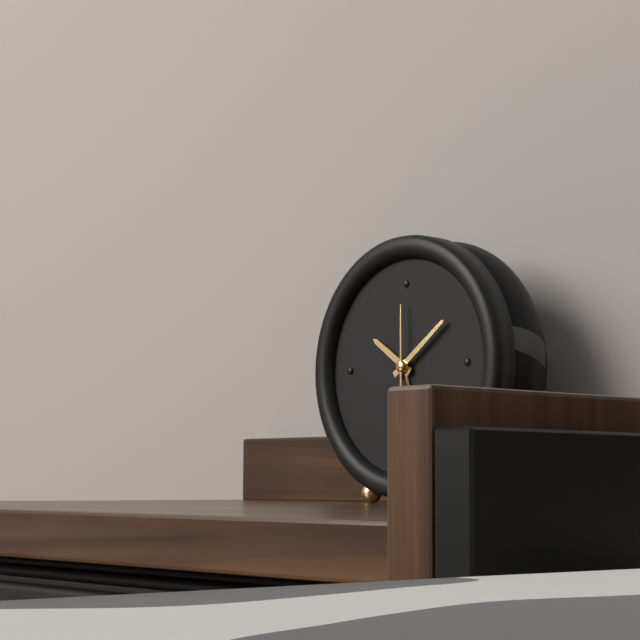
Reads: h=10 m=9 s=0
